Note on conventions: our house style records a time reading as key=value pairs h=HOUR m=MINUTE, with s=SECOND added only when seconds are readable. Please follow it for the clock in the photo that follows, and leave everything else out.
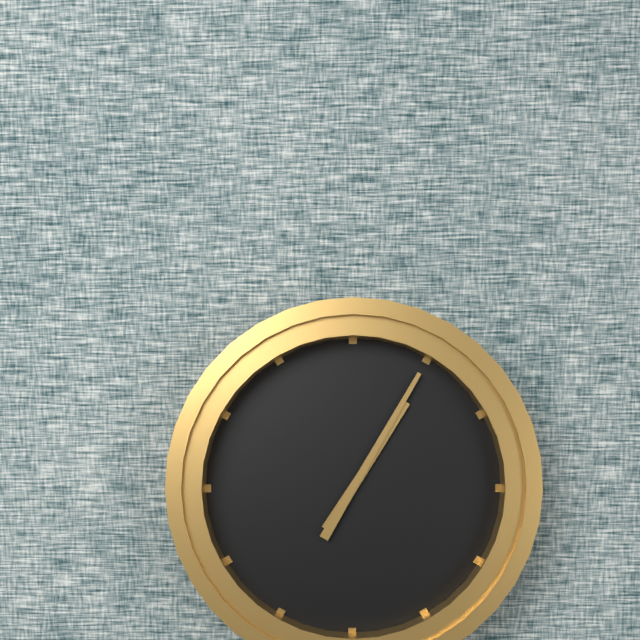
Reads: h=1 m=5
